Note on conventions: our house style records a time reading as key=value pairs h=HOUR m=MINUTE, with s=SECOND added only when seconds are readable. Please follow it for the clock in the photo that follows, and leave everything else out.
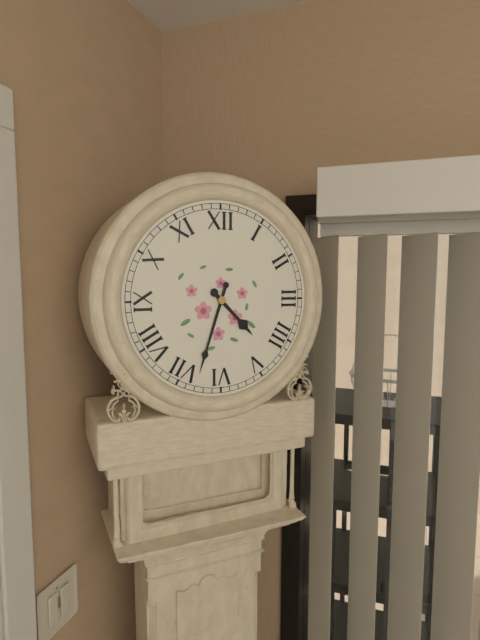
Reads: h=4 m=33
